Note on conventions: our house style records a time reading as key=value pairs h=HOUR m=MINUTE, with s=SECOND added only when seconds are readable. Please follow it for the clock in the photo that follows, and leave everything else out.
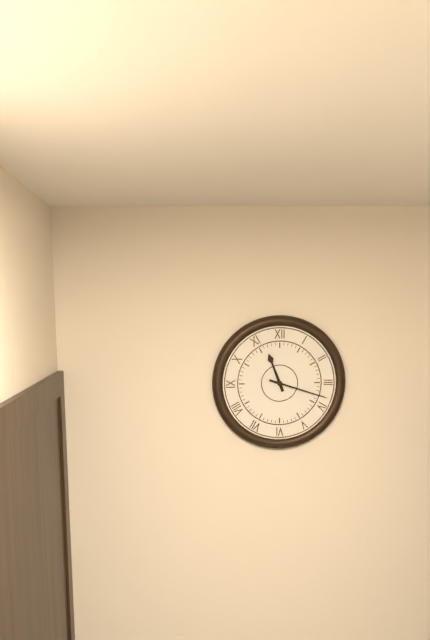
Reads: h=11 m=18
